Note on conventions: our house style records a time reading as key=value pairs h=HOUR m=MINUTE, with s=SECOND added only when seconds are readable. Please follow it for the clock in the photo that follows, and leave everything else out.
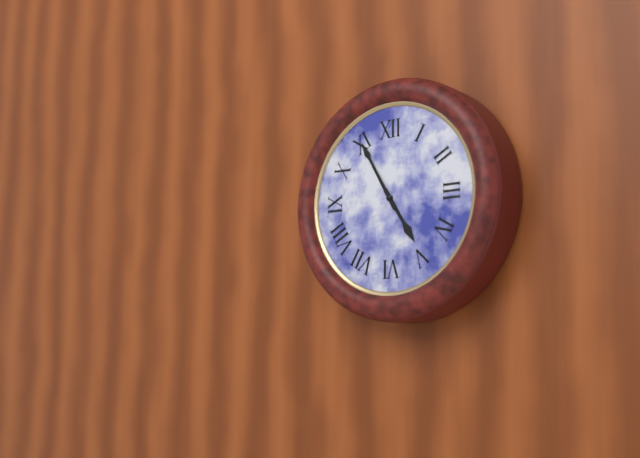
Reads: h=4 m=55
